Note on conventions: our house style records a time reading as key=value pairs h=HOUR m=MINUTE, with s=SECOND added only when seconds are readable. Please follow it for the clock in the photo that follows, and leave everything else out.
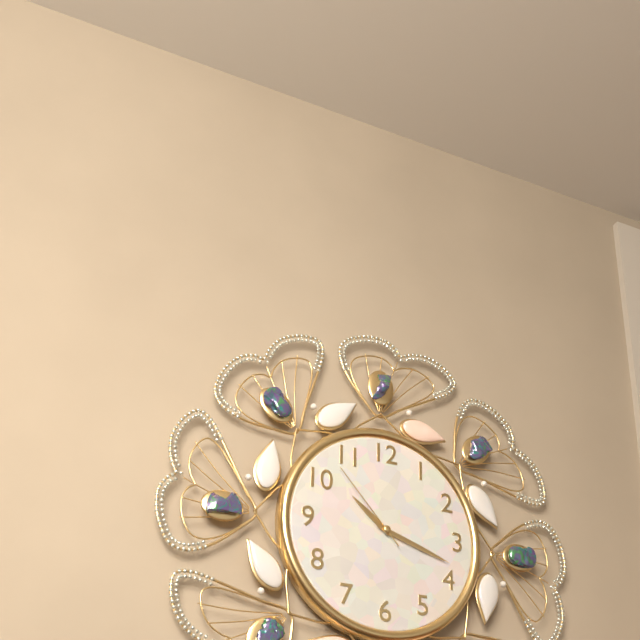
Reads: h=10 m=18 s=53
